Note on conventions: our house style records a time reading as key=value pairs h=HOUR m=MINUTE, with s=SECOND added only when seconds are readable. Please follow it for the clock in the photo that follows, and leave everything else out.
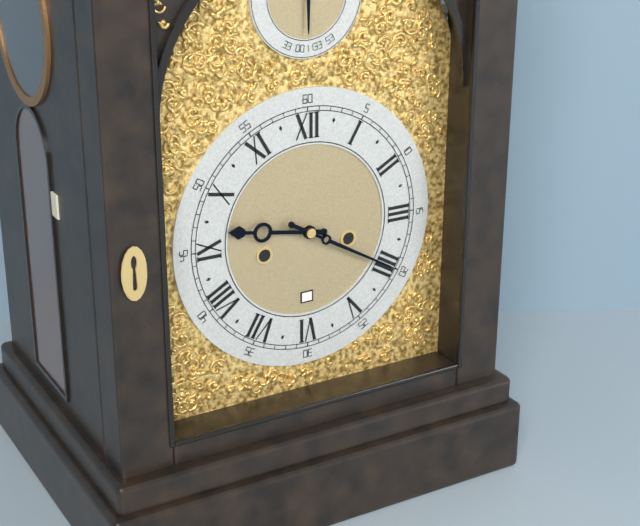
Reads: h=9 m=20
